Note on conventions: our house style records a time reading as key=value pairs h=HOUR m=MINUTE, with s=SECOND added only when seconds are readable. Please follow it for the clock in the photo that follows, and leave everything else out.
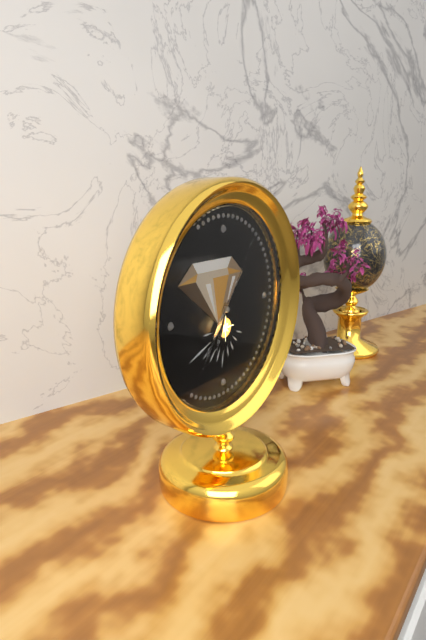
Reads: h=6 m=36 s=6
